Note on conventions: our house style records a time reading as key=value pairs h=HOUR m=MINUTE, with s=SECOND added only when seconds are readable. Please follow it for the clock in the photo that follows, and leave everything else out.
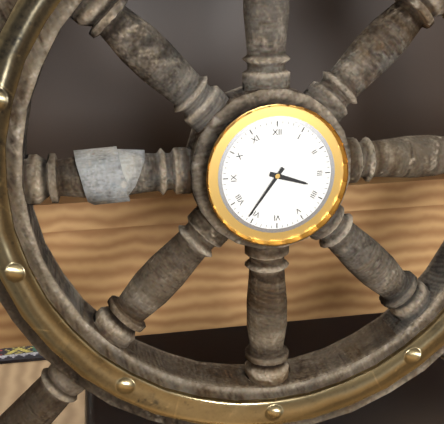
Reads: h=3 m=36
